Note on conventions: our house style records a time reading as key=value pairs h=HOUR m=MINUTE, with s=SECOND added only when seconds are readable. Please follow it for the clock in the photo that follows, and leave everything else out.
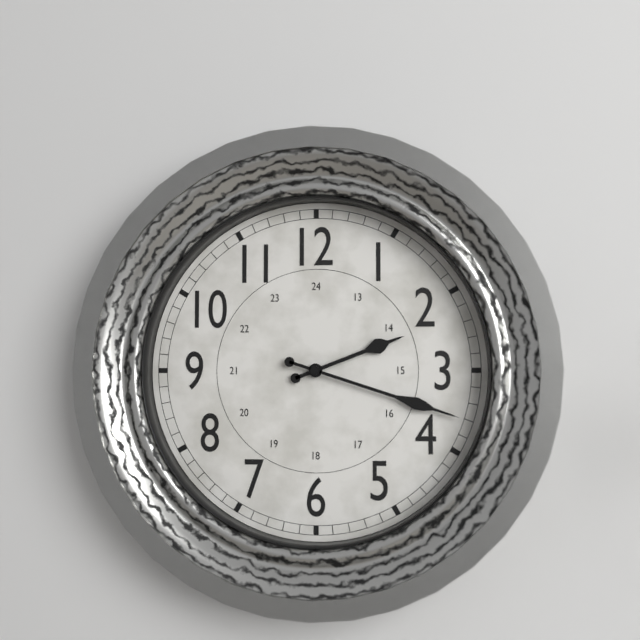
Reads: h=2 m=18
